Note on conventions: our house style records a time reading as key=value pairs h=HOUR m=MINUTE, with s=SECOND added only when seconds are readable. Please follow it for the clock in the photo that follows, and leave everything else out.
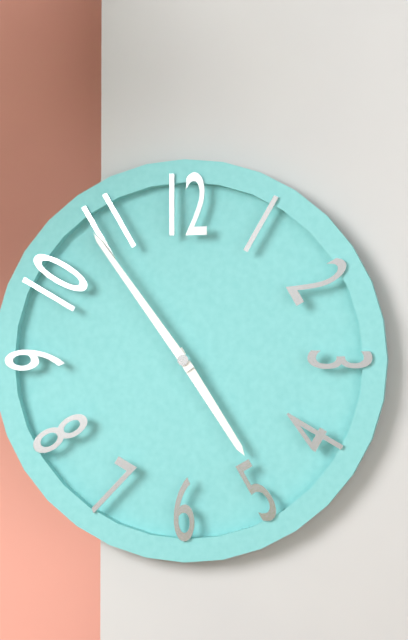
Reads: h=4 m=54
